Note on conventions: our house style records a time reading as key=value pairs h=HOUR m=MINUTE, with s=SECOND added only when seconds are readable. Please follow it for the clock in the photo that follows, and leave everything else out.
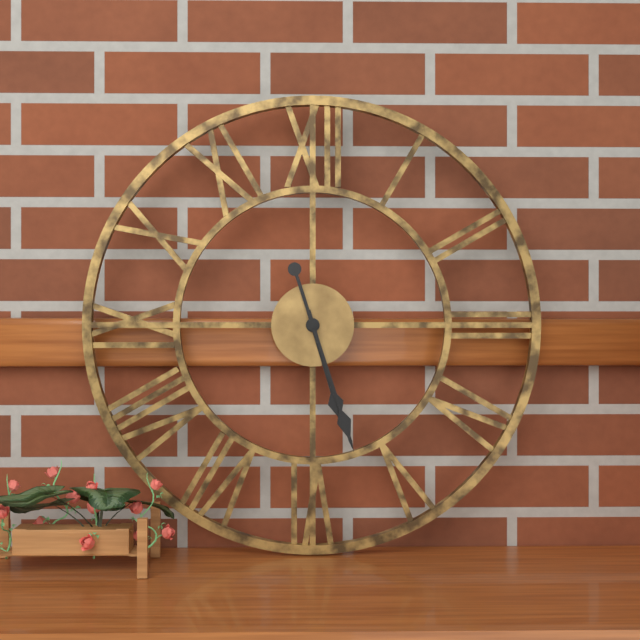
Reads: h=5 m=27
